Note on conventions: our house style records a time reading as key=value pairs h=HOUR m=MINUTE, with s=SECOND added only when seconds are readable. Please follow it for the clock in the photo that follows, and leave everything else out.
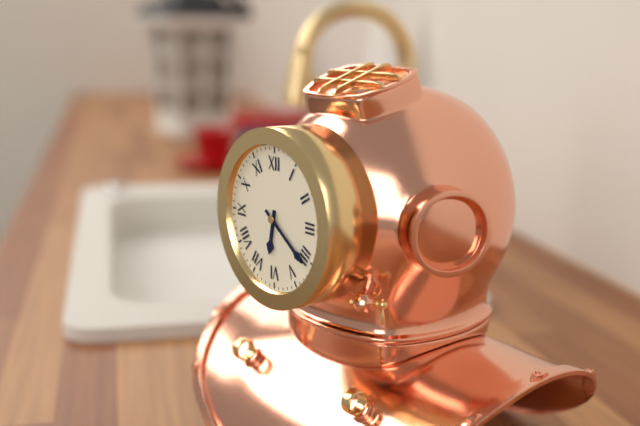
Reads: h=6 m=21
